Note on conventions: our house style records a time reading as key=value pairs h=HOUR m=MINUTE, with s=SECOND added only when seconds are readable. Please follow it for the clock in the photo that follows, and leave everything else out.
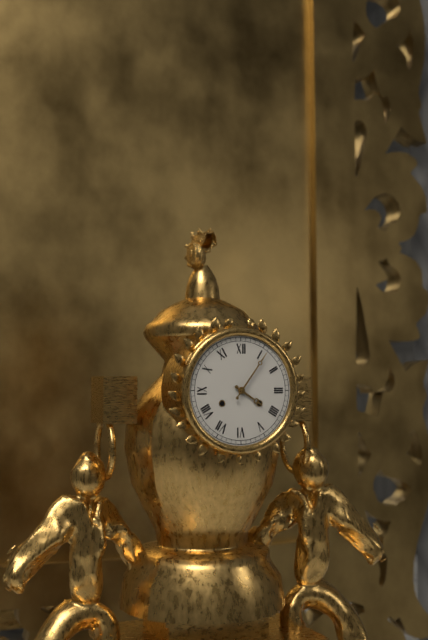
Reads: h=4 m=6
